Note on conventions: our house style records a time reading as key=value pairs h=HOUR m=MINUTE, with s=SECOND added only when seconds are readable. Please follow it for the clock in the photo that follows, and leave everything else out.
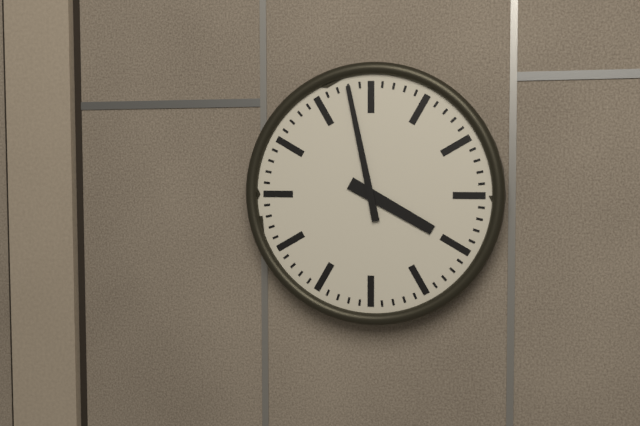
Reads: h=3 m=58
